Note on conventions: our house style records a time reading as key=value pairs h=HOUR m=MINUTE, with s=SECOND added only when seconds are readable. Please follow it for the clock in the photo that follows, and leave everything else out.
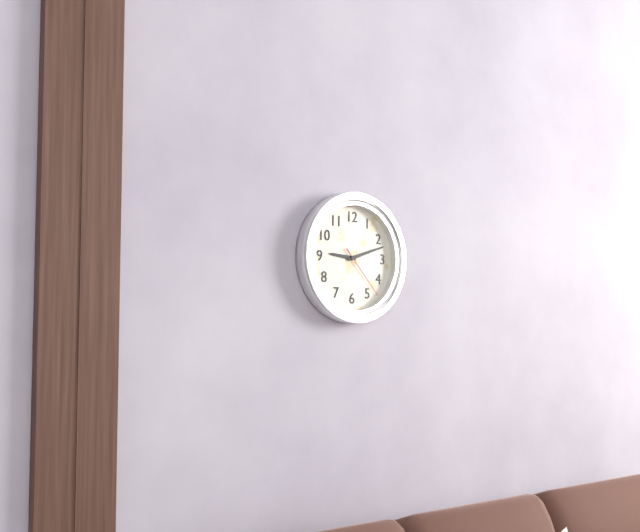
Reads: h=9 m=12 s=23
